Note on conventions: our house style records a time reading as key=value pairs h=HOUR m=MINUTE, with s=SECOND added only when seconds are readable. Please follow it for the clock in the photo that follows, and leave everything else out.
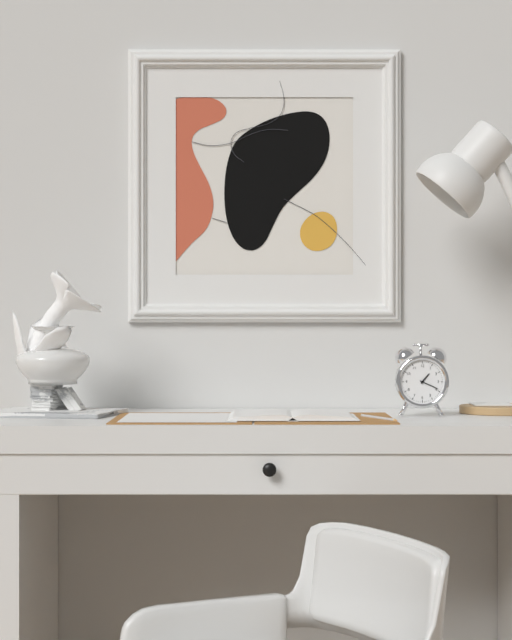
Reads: h=1 m=19
